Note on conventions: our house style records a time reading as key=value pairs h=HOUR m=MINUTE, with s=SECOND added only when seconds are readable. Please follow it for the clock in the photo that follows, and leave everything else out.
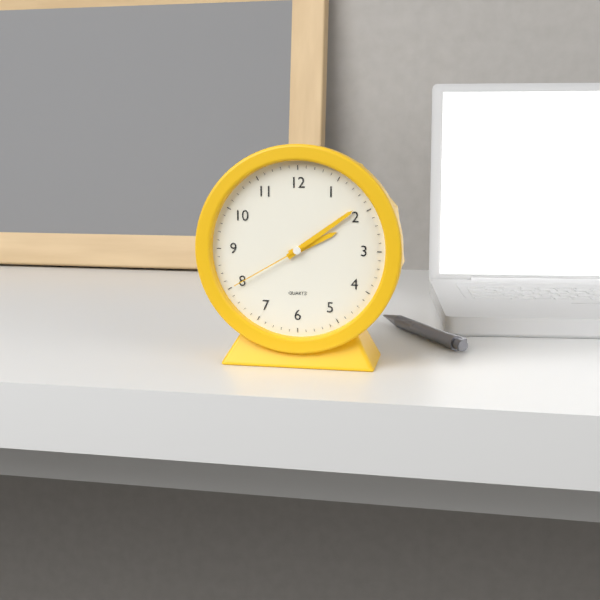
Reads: h=2 m=9 s=40
